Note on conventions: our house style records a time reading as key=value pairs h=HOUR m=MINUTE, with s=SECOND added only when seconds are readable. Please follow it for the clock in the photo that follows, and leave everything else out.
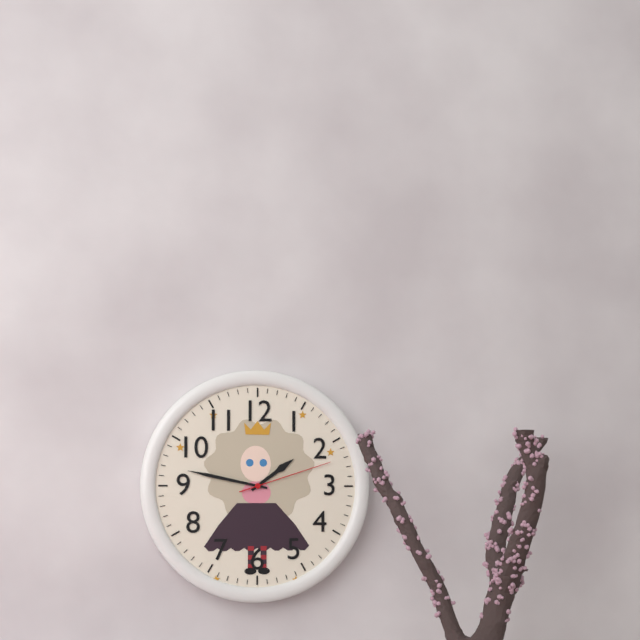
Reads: h=1 m=47 s=12
